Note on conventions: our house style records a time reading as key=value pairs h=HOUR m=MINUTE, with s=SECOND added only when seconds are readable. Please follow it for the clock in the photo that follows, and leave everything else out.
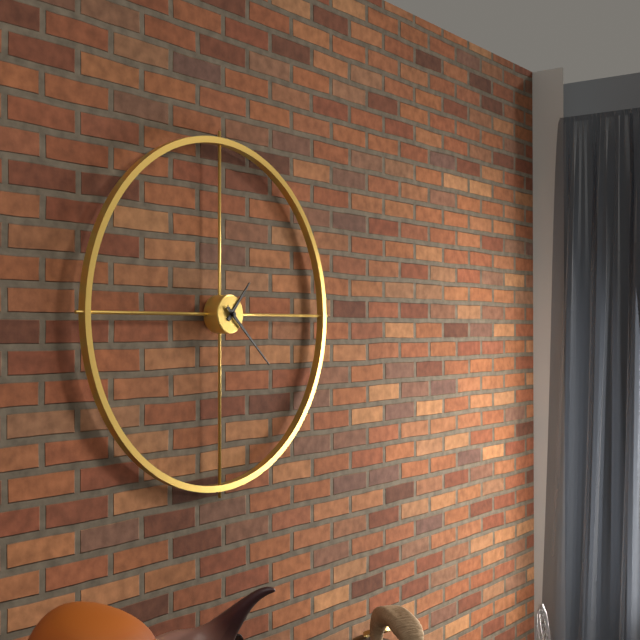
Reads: h=1 m=22
